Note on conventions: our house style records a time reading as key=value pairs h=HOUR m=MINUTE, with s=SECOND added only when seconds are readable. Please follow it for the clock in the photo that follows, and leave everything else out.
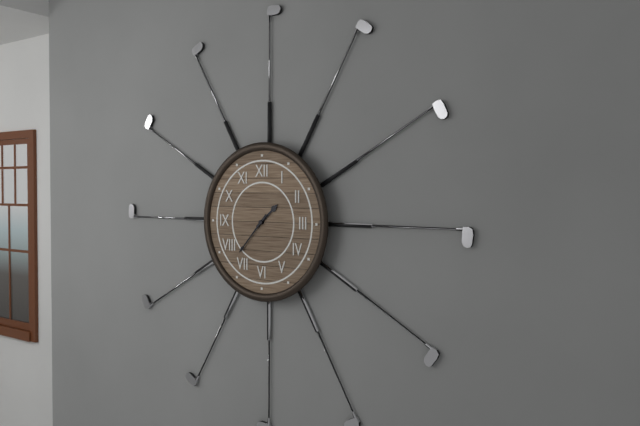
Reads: h=1 m=37
